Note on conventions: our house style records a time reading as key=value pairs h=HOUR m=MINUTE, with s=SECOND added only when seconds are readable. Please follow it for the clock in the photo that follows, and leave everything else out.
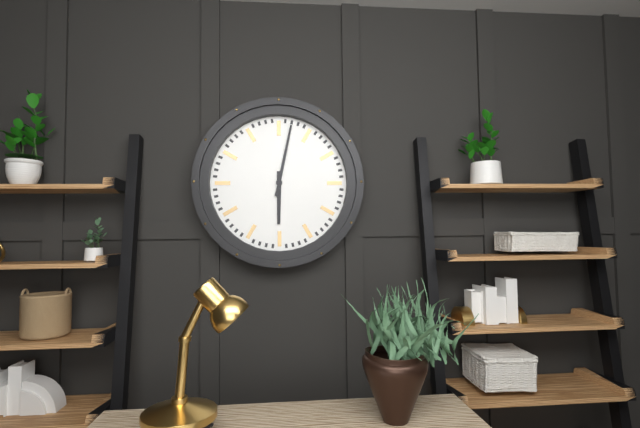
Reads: h=6 m=2
